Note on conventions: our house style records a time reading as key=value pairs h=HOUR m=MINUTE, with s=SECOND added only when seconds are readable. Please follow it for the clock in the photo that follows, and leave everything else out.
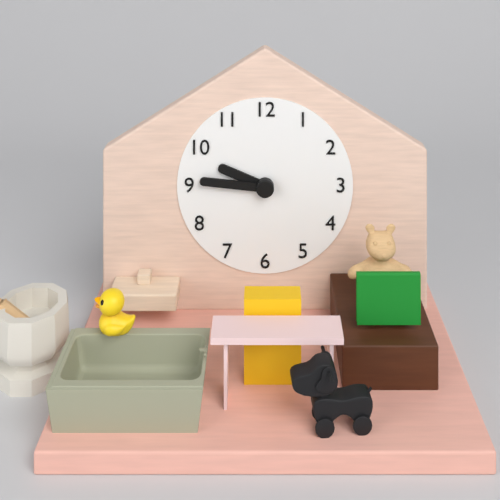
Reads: h=9 m=46
